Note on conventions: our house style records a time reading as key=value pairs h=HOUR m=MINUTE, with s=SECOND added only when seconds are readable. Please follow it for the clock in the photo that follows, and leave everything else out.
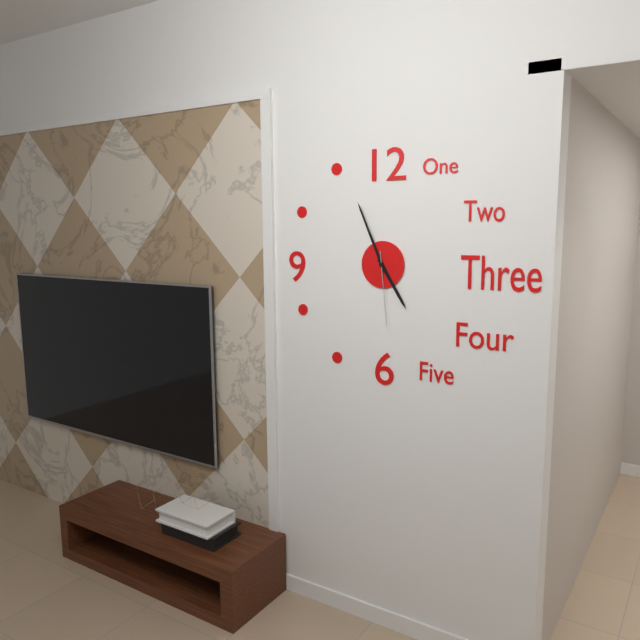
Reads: h=4 m=56 s=29
